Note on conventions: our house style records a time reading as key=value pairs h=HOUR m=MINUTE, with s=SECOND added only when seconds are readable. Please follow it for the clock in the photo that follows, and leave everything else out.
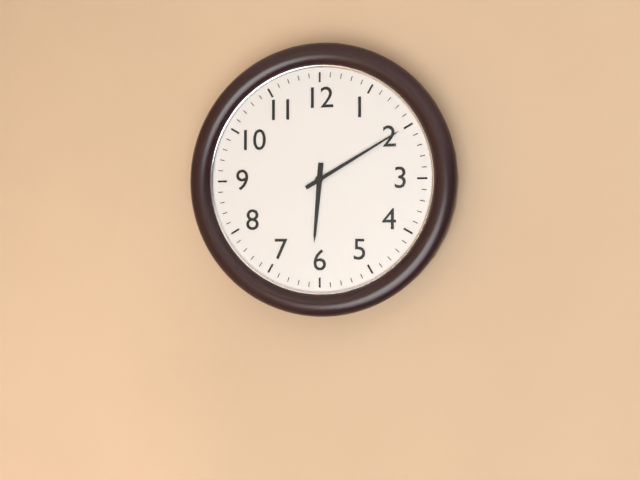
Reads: h=6 m=10
